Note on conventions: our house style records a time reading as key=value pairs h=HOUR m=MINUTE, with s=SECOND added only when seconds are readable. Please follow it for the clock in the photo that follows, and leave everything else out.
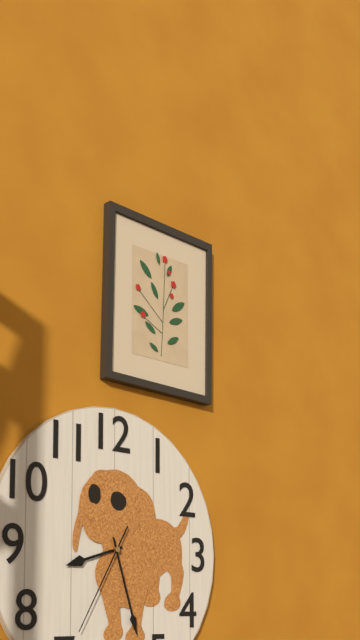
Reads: h=8 m=27 s=35
